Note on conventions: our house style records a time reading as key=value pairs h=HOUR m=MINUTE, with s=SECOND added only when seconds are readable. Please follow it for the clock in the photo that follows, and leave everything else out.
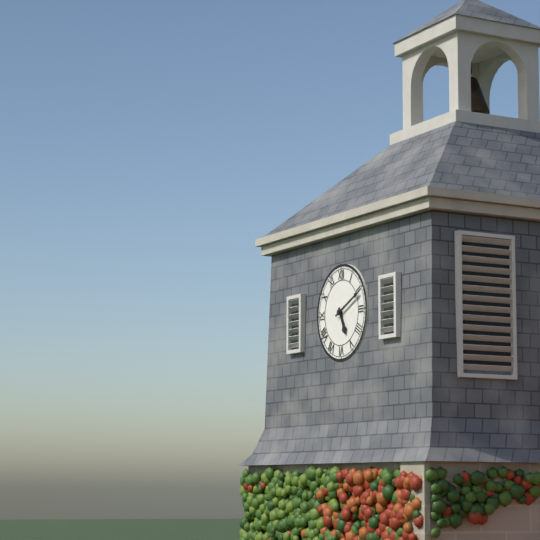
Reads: h=5 m=11
